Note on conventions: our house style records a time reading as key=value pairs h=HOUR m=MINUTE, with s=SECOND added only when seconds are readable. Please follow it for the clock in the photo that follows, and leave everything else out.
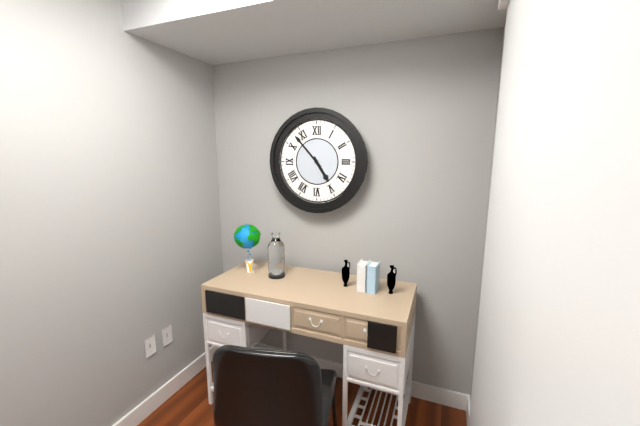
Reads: h=4 m=53
